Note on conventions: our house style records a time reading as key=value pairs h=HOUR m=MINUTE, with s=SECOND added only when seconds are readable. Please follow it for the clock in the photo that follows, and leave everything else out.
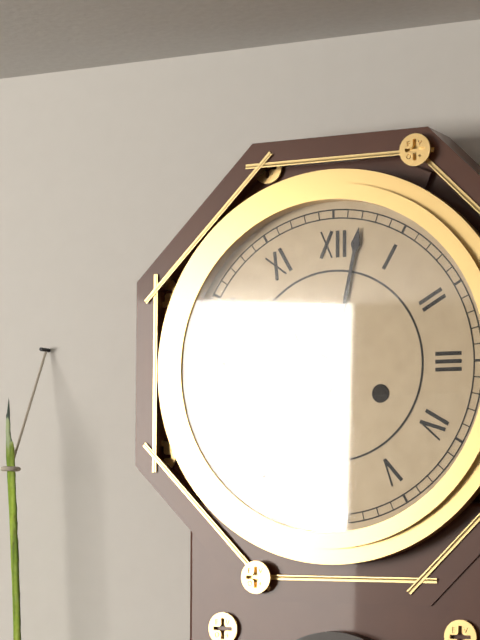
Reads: h=10 m=2
